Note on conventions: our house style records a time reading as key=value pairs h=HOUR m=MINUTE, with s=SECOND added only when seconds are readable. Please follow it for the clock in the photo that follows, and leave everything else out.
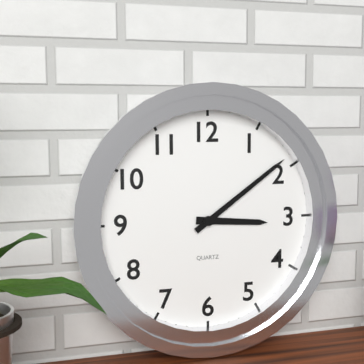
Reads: h=3 m=9
